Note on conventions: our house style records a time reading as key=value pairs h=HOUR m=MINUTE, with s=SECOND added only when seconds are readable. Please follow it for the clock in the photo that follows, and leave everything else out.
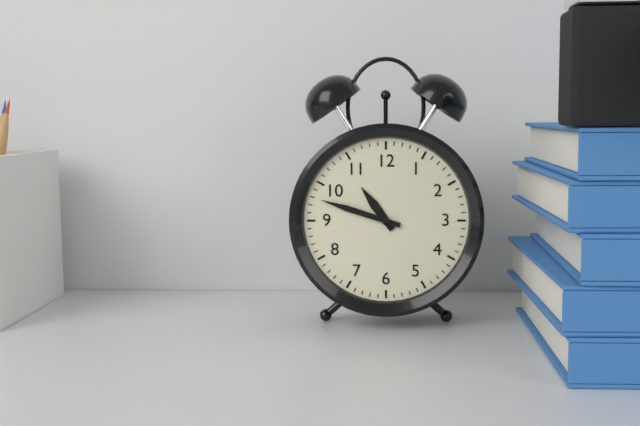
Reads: h=10 m=48
